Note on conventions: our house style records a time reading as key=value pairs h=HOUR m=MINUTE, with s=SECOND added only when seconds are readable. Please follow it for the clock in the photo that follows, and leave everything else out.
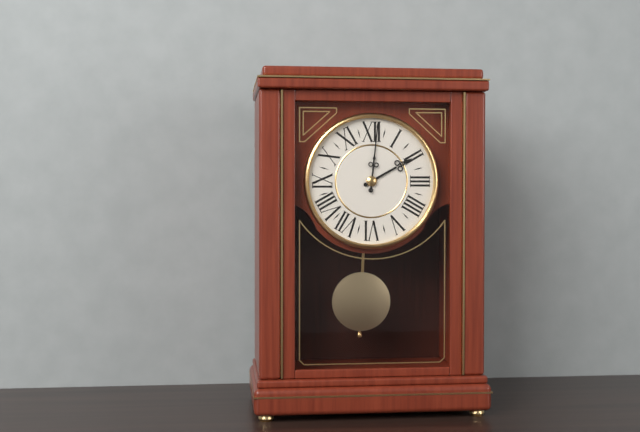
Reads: h=2 m=1
